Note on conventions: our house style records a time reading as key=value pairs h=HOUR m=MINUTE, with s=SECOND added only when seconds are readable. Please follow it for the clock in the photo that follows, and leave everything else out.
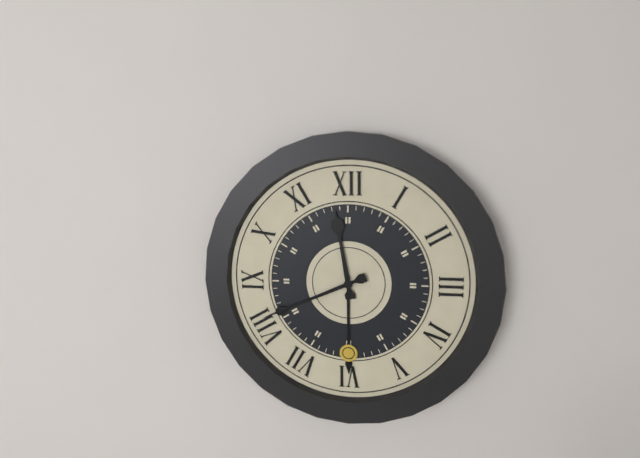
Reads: h=11 m=41
